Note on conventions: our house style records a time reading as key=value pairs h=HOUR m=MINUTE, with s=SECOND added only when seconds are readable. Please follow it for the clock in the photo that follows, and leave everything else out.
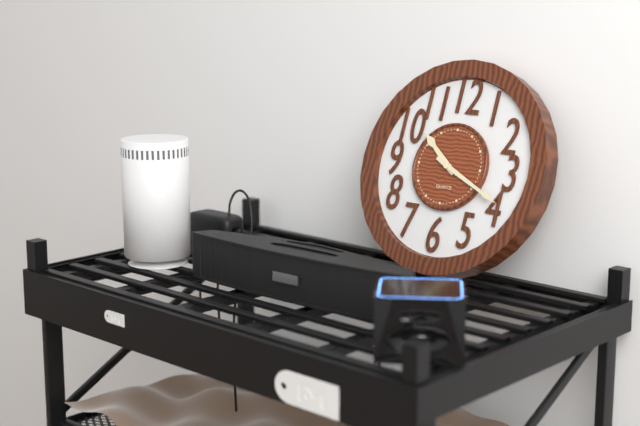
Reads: h=10 m=19
